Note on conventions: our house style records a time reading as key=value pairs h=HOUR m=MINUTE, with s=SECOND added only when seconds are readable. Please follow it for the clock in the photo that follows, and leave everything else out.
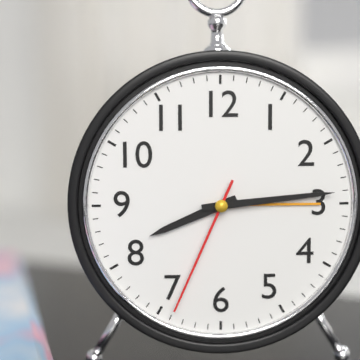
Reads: h=8 m=14 s=34
